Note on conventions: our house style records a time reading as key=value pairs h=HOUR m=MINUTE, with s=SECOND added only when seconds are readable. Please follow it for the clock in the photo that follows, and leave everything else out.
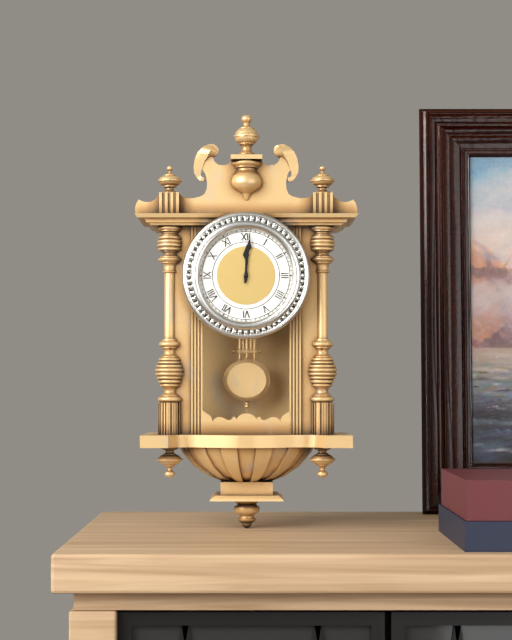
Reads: h=12 m=1
